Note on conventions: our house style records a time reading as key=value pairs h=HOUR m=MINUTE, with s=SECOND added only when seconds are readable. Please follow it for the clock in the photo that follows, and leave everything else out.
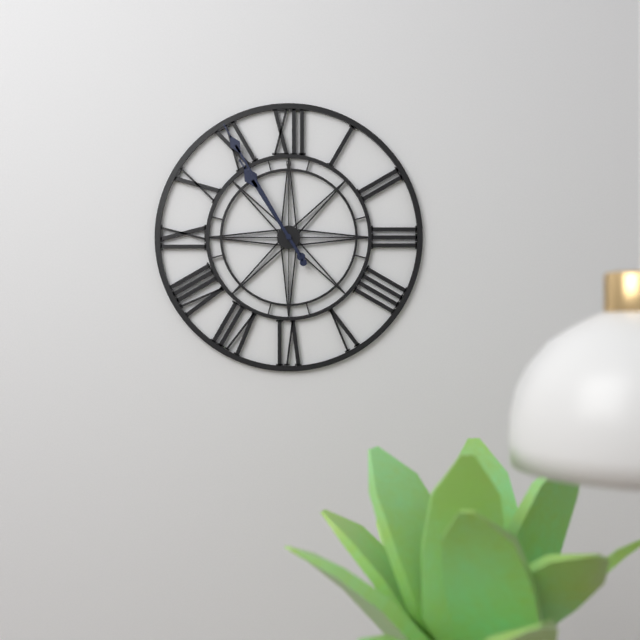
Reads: h=10 m=55
